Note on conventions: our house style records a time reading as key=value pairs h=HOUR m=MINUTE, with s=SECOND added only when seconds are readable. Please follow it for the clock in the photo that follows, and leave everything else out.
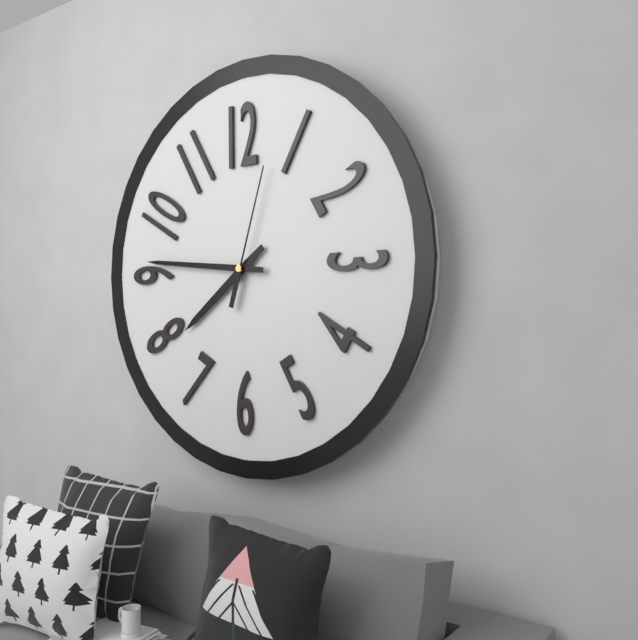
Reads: h=7 m=46 s=3
